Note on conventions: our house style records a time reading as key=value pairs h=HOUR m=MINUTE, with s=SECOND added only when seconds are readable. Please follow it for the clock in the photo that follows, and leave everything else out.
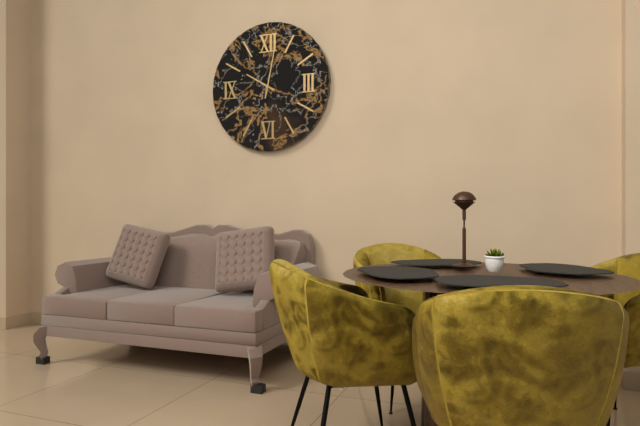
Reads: h=10 m=2
